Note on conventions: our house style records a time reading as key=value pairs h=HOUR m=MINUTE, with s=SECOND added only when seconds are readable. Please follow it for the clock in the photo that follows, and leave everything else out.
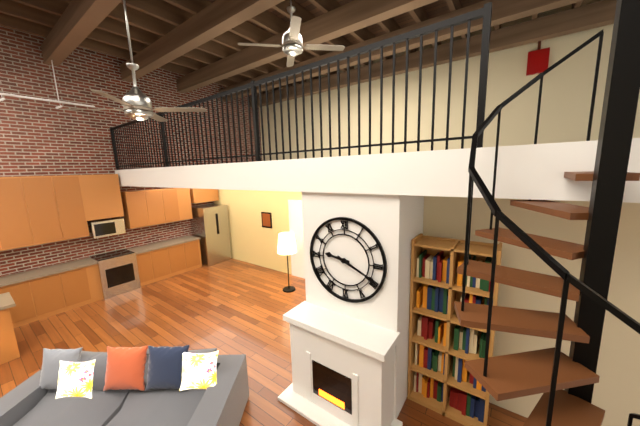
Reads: h=9 m=19
